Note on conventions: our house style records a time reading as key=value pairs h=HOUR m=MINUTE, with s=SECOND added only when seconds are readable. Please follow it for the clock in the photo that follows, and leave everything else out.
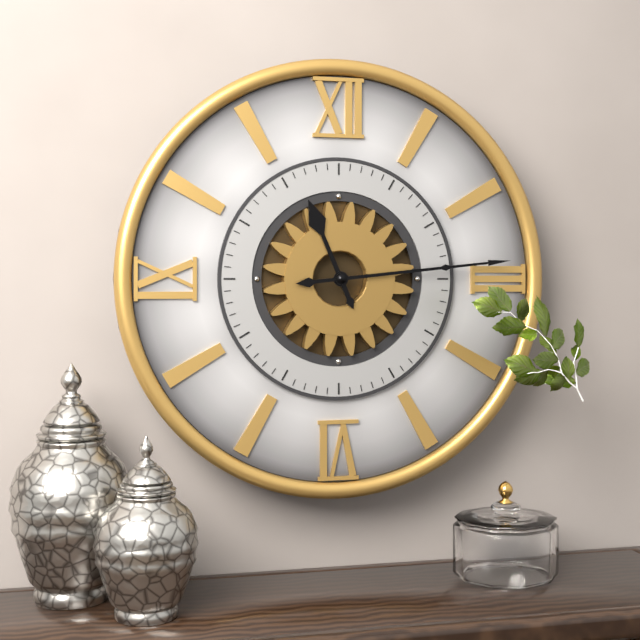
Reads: h=11 m=14
